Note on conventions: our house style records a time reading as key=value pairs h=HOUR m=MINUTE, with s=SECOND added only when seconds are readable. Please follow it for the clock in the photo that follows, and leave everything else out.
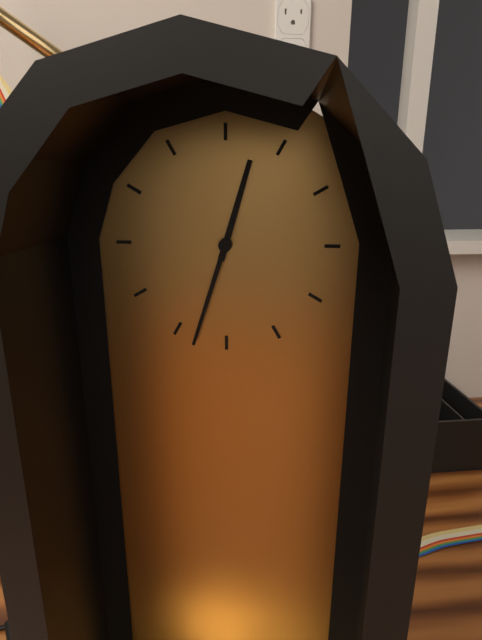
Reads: h=12 m=33
